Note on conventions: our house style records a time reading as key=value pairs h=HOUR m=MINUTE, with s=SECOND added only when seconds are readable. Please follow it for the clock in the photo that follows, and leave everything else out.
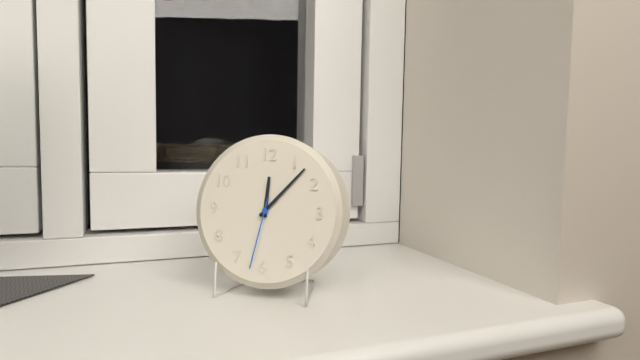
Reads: h=12 m=7 s=32
